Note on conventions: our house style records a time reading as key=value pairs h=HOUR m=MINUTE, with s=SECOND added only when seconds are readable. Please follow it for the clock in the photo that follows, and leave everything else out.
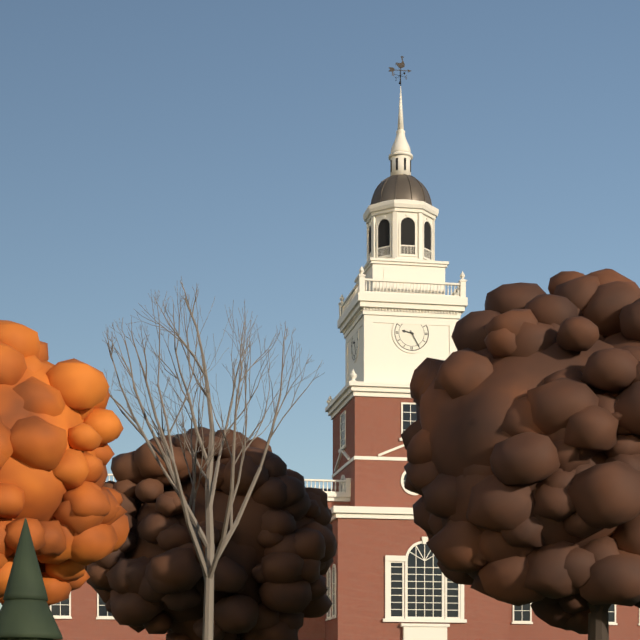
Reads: h=9 m=25
